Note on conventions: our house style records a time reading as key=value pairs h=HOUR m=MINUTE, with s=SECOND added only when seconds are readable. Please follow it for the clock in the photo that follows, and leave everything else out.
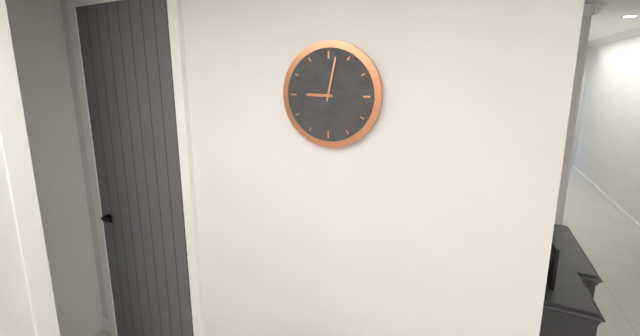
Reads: h=9 m=2
